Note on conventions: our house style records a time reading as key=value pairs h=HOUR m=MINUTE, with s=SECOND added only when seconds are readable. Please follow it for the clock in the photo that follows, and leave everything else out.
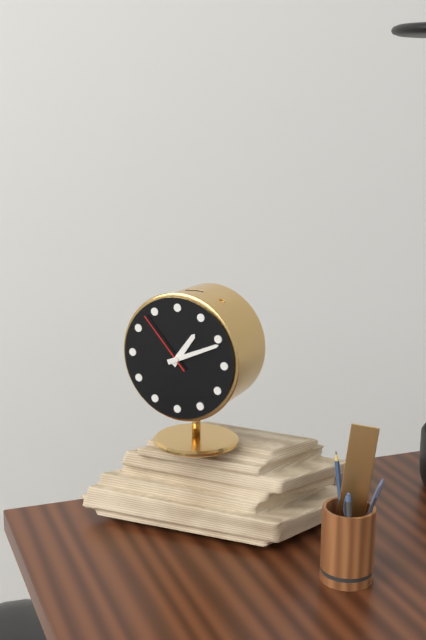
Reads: h=1 m=11 s=53
